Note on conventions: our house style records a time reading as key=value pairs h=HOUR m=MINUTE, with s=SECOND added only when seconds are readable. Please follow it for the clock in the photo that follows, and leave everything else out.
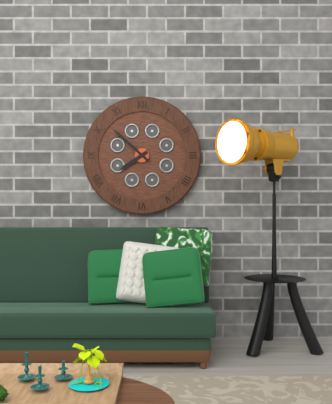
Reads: h=7 m=52
